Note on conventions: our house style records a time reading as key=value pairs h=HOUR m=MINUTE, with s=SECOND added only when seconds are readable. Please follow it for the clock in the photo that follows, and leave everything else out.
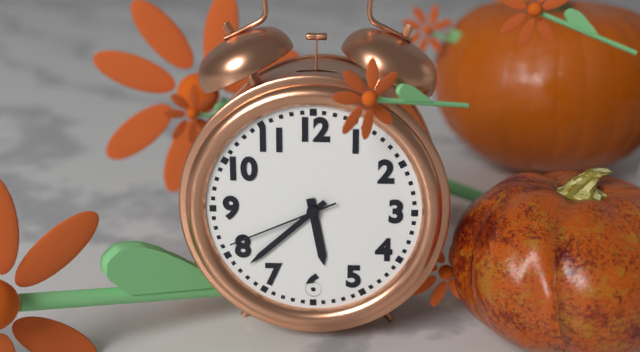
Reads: h=5 m=38 s=41
